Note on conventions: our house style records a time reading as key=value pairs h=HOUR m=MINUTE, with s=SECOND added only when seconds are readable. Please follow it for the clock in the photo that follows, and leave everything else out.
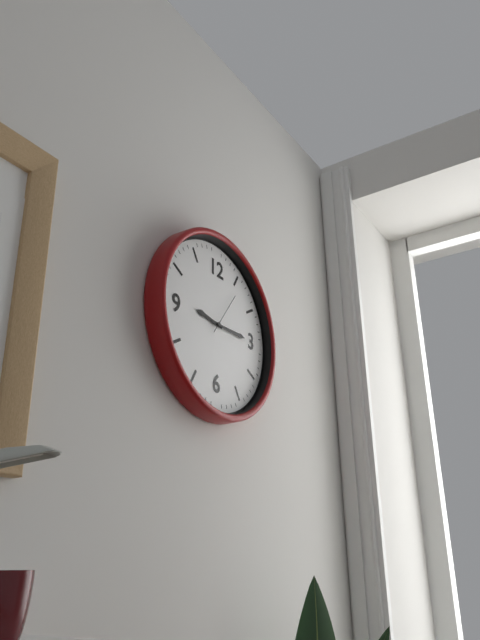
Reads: h=9 m=15
